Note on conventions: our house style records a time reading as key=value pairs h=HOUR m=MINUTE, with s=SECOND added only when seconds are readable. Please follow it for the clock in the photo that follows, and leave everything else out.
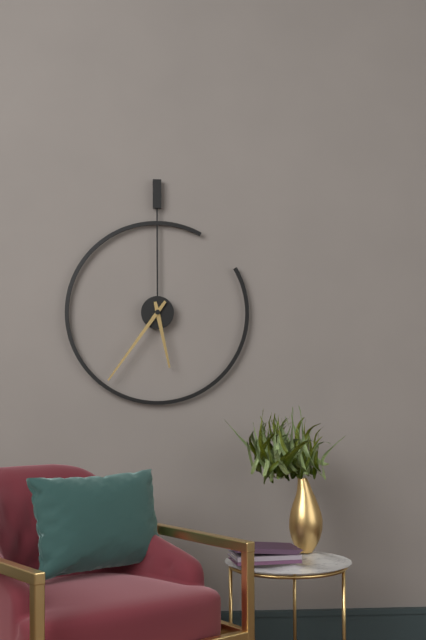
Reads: h=5 m=36
